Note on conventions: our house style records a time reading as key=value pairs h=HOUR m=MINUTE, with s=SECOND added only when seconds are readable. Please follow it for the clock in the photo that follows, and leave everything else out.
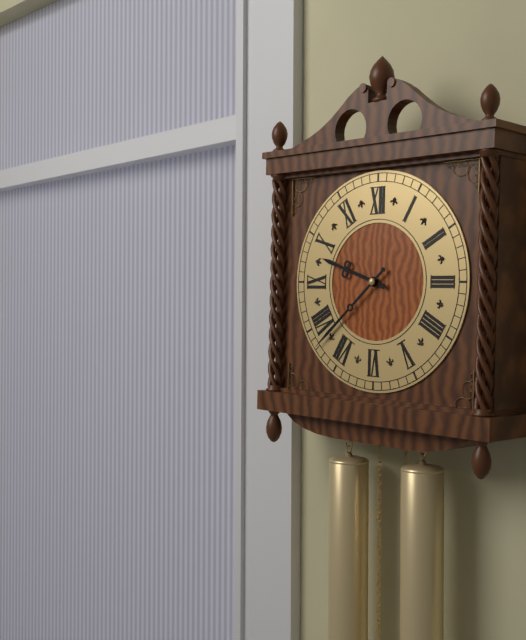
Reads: h=9 m=38
